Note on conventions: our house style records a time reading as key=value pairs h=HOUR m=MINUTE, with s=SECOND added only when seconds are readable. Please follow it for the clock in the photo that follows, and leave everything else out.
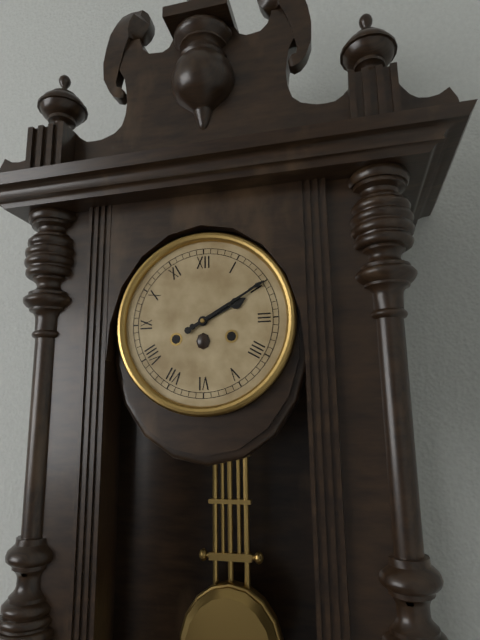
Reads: h=2 m=10
